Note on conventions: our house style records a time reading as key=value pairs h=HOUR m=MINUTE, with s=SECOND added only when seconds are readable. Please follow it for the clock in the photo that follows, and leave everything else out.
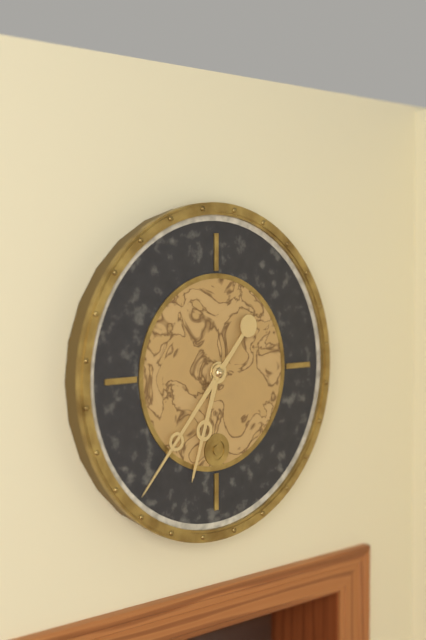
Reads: h=6 m=37
